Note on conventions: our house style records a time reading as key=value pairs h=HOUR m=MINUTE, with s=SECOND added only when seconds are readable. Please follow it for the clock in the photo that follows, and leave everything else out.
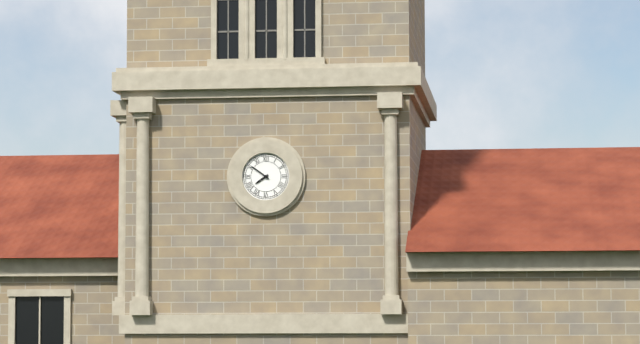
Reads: h=7 m=51
